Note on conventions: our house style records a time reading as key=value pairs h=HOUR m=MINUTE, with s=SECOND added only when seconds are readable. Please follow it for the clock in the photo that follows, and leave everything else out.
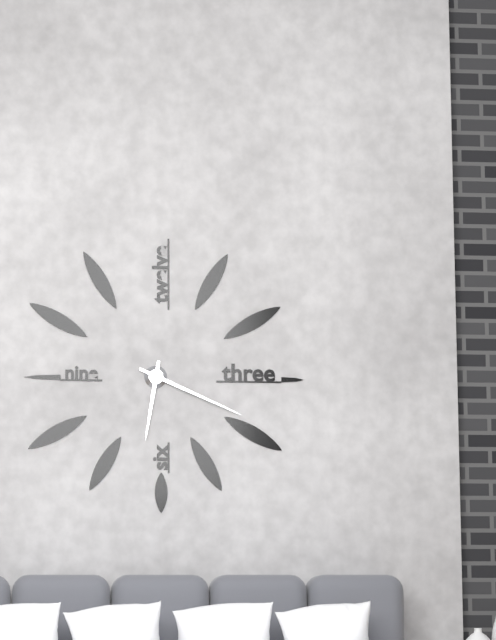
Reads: h=6 m=19
